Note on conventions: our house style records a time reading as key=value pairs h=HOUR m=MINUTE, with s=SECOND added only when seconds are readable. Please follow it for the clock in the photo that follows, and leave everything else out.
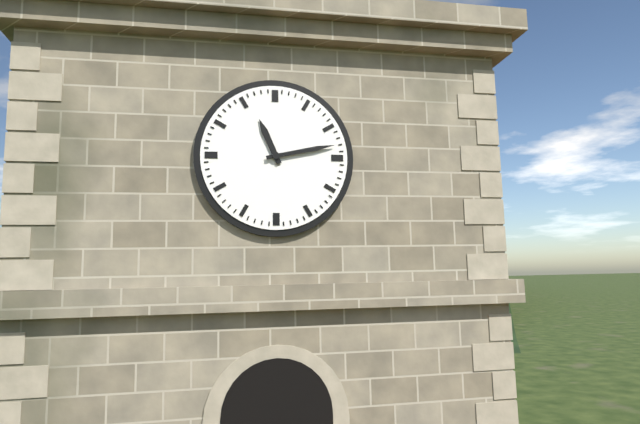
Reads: h=11 m=13
